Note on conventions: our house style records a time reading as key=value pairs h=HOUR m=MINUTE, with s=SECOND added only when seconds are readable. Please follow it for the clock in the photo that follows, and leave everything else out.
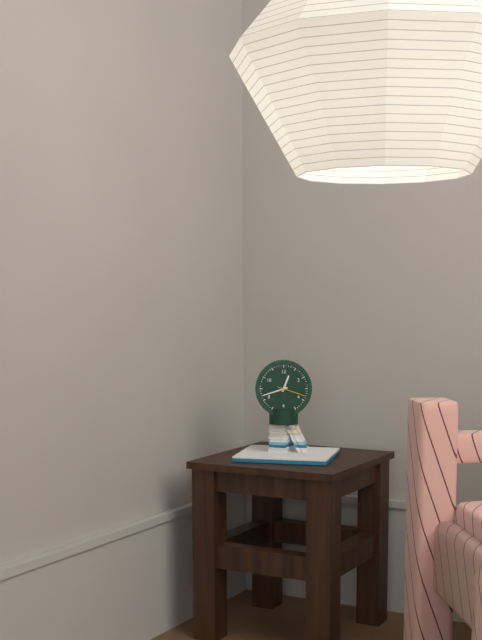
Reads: h=12 m=42
